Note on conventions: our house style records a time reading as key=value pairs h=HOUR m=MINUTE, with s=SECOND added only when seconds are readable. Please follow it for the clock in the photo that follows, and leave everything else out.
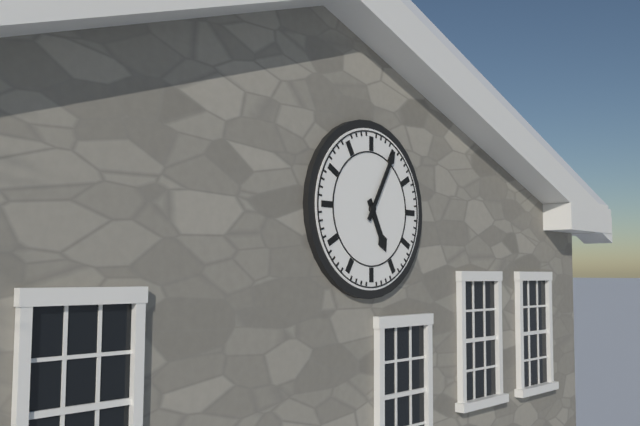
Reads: h=5 m=5
